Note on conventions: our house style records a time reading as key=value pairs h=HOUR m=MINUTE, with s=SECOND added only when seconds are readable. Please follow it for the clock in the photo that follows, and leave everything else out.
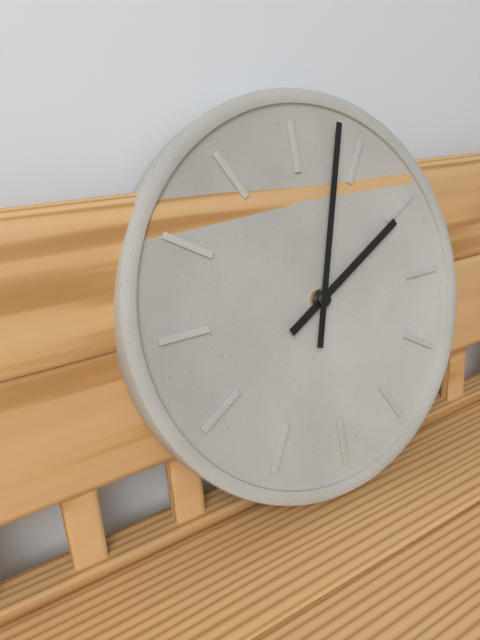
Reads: h=2 m=3
